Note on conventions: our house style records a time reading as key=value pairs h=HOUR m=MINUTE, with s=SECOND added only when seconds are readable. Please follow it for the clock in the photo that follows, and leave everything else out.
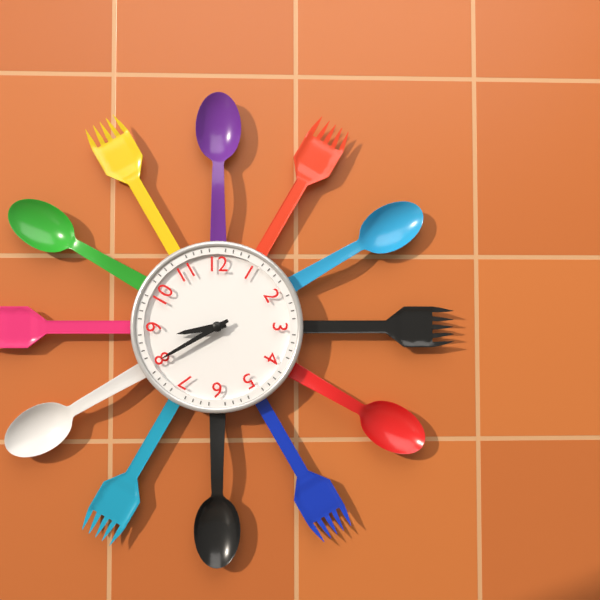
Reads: h=8 m=40
